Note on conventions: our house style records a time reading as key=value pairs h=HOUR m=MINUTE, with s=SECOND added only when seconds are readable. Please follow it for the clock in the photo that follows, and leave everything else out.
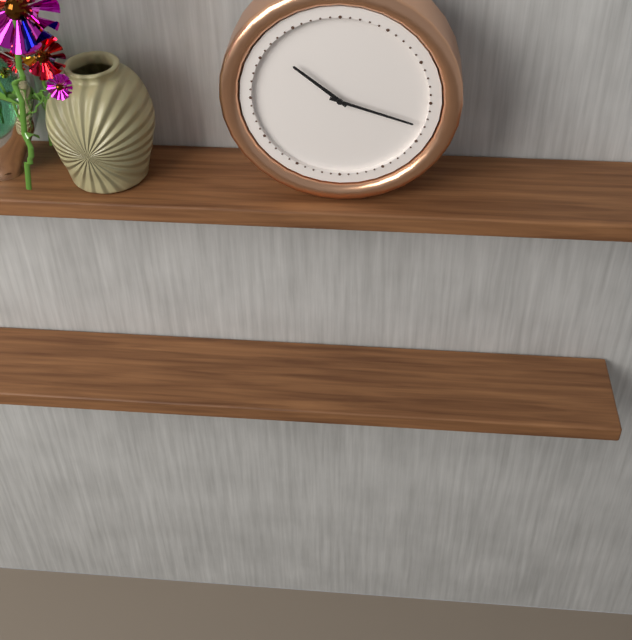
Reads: h=10 m=18
